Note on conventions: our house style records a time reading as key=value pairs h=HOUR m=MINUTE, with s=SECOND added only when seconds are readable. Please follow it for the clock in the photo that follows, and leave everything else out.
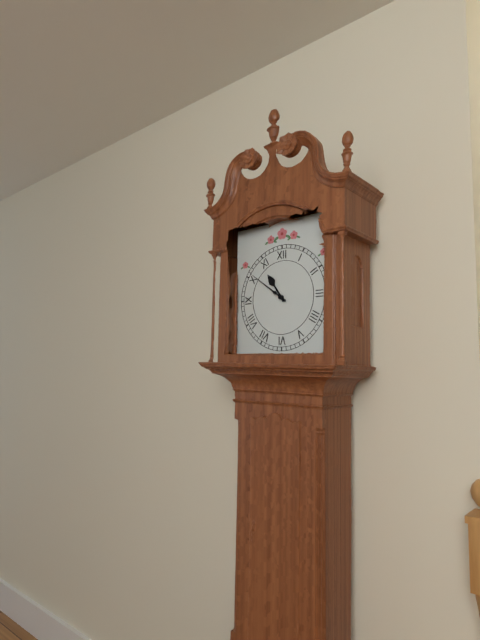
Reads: h=10 m=51
